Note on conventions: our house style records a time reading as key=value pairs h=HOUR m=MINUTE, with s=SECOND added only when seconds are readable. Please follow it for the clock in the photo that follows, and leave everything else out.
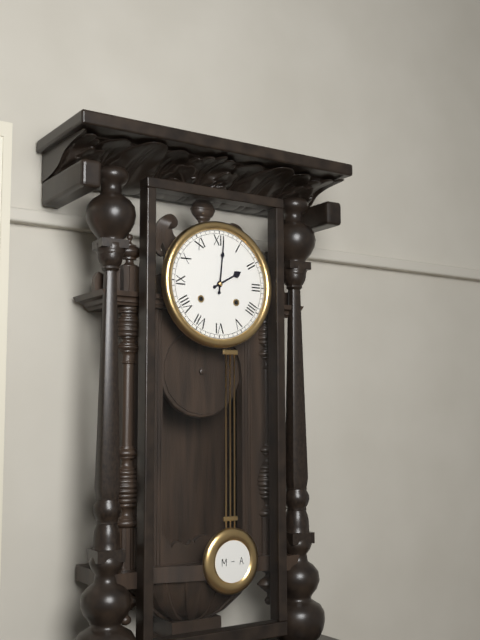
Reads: h=2 m=1
